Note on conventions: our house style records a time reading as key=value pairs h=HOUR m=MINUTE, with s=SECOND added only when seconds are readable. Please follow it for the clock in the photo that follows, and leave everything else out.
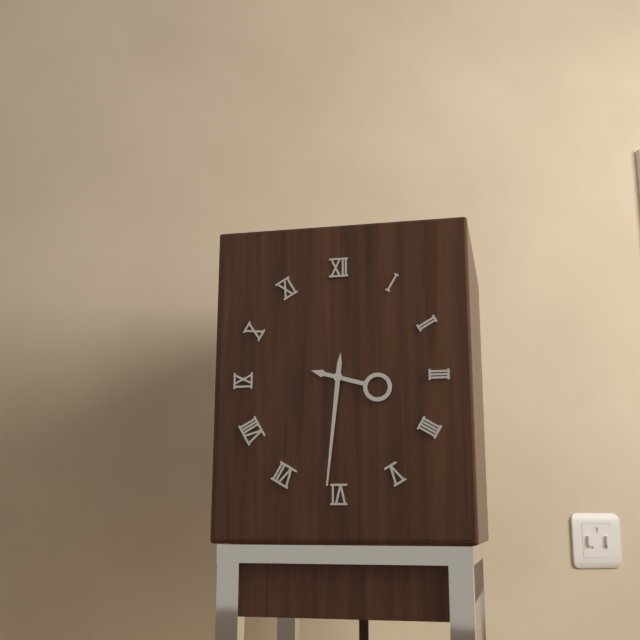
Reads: h=3 m=31
